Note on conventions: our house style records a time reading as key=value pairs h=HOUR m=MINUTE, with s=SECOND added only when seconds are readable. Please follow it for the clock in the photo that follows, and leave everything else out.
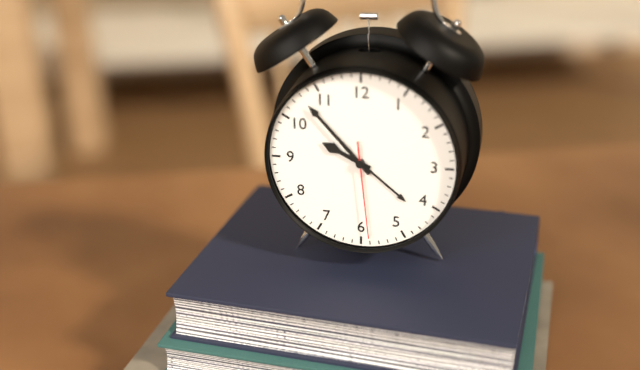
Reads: h=9 m=53 s=29
